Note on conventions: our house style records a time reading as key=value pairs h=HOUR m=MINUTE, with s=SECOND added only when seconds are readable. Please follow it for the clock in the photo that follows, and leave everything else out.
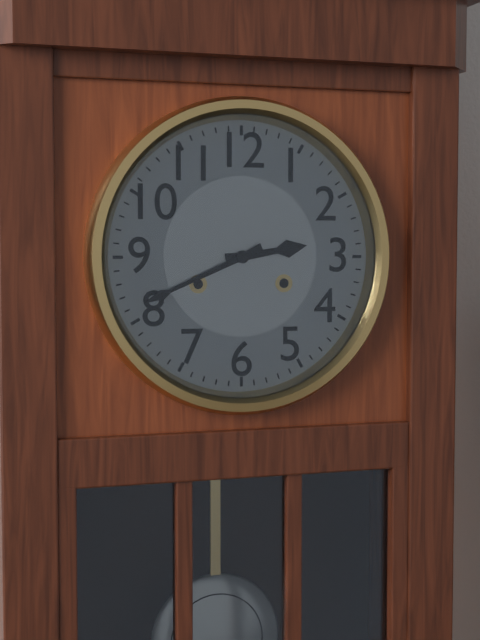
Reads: h=2 m=41
